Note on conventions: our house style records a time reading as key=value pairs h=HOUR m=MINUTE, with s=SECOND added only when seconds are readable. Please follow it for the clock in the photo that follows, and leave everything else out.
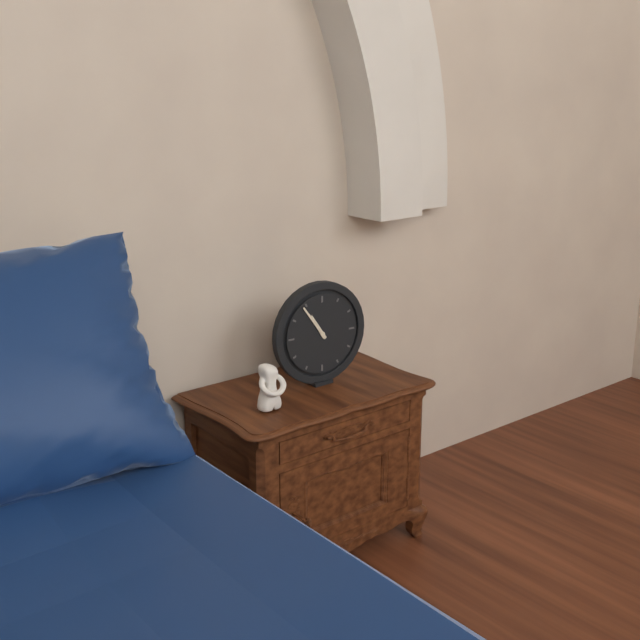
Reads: h=10 m=54
